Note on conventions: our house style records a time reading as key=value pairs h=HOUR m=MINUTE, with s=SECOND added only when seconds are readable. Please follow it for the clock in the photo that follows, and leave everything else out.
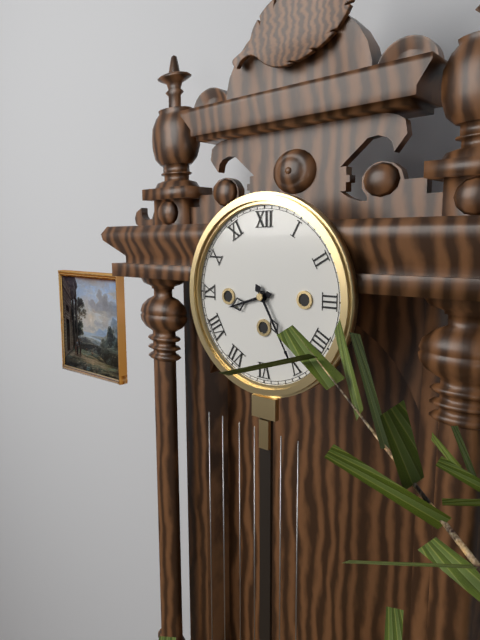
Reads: h=8 m=25
